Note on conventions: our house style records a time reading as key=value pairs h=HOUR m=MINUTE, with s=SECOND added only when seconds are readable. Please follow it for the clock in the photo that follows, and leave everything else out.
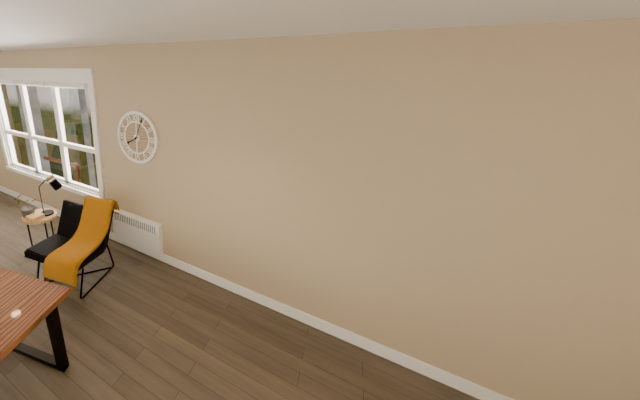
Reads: h=8 m=4
